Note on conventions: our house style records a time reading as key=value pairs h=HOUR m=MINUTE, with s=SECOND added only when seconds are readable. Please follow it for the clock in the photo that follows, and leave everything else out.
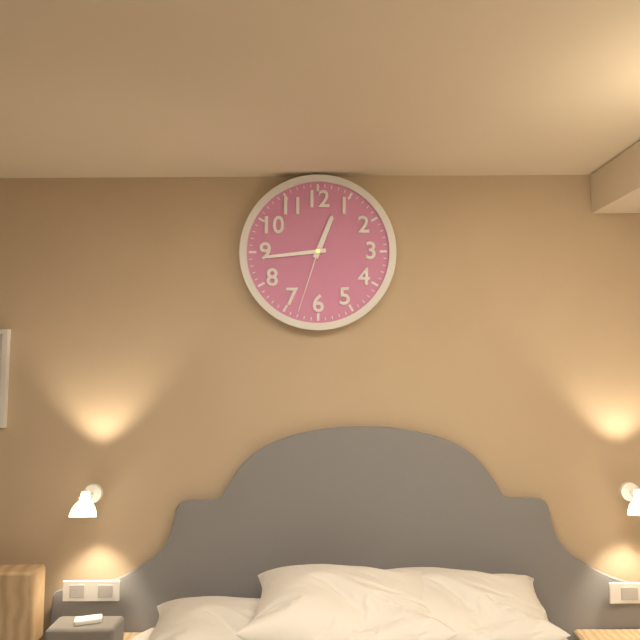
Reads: h=12 m=44 s=33
